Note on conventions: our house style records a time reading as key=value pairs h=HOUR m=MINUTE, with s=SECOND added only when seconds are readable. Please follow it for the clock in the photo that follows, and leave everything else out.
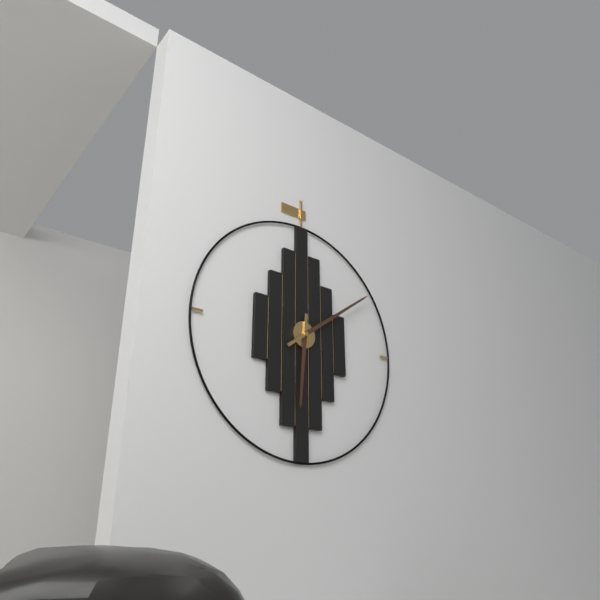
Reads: h=6 m=9
